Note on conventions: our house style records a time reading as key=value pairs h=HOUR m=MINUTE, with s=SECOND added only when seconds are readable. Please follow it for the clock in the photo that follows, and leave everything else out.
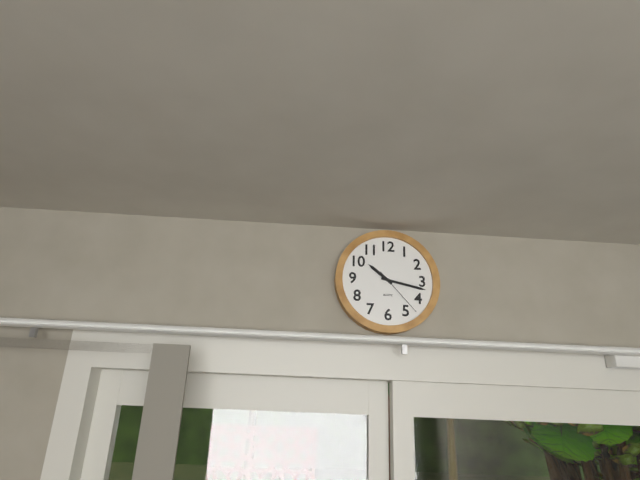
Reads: h=10 m=17 s=23
